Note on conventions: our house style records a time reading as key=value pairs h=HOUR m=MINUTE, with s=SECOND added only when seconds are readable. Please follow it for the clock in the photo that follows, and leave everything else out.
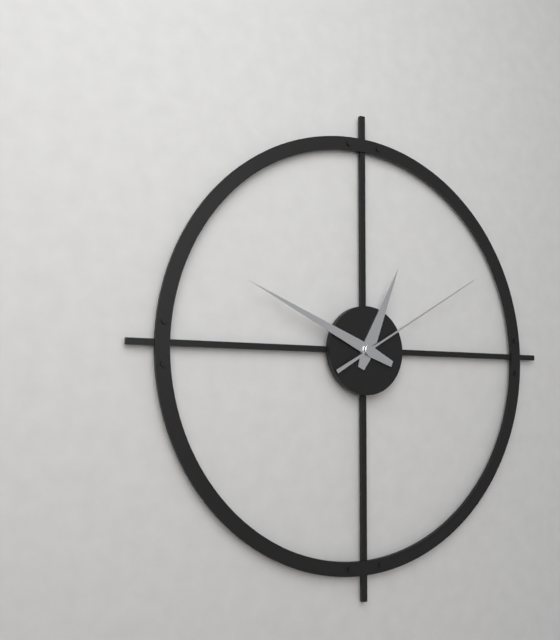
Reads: h=12 m=49 s=10
